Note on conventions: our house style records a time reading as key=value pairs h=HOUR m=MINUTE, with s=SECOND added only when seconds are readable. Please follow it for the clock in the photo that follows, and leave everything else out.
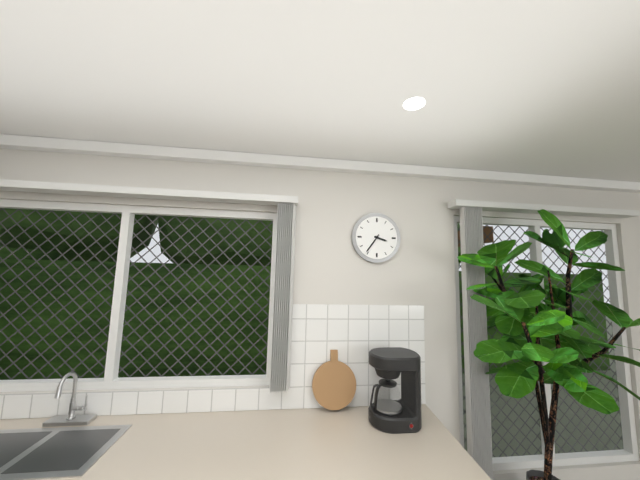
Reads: h=3 m=36
